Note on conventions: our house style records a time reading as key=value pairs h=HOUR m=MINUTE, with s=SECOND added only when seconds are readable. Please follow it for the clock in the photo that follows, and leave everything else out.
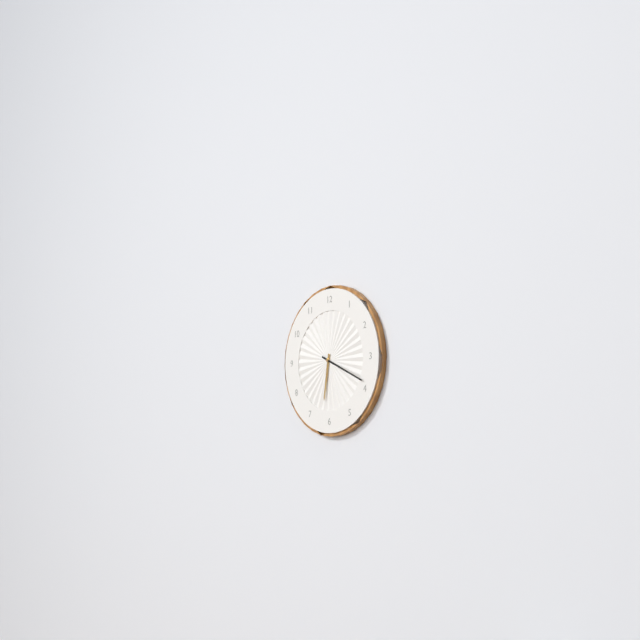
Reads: h=6 m=19
